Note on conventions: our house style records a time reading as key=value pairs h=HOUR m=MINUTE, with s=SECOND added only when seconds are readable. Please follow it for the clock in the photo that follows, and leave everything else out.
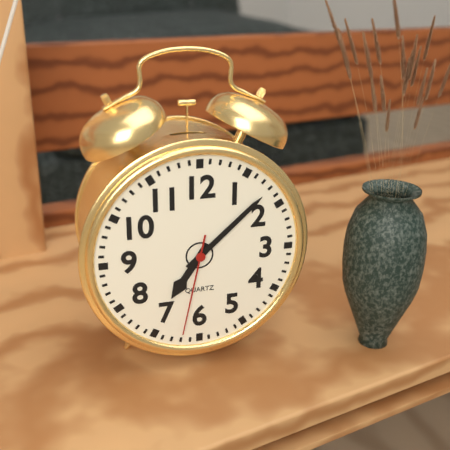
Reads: h=7 m=8 s=32
